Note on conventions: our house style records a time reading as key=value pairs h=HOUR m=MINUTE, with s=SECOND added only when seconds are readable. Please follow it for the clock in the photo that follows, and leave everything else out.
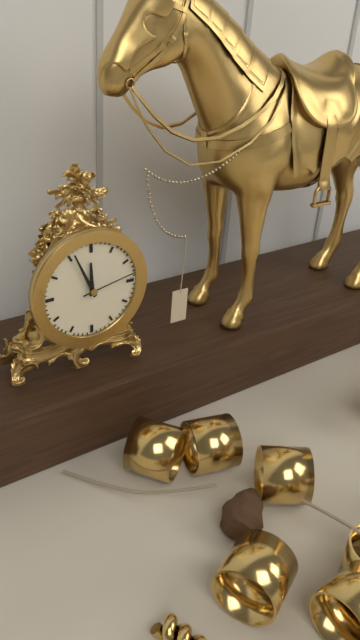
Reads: h=11 m=56 s=13
